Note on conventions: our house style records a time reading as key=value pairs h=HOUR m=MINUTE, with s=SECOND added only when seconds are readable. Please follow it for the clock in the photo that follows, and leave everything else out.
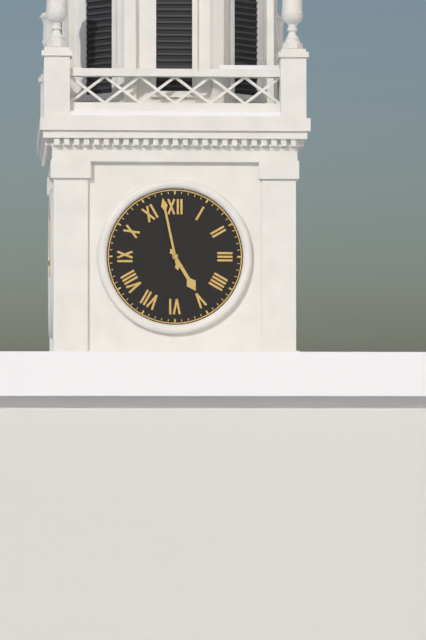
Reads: h=4 m=58
